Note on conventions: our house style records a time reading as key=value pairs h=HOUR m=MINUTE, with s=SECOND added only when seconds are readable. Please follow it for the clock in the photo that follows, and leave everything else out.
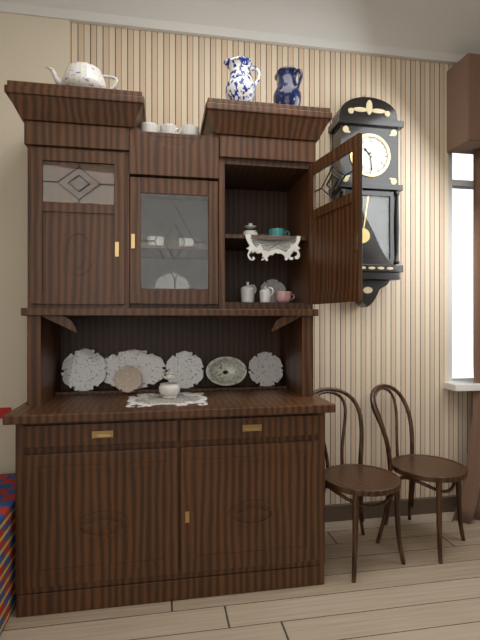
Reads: h=10 m=29
